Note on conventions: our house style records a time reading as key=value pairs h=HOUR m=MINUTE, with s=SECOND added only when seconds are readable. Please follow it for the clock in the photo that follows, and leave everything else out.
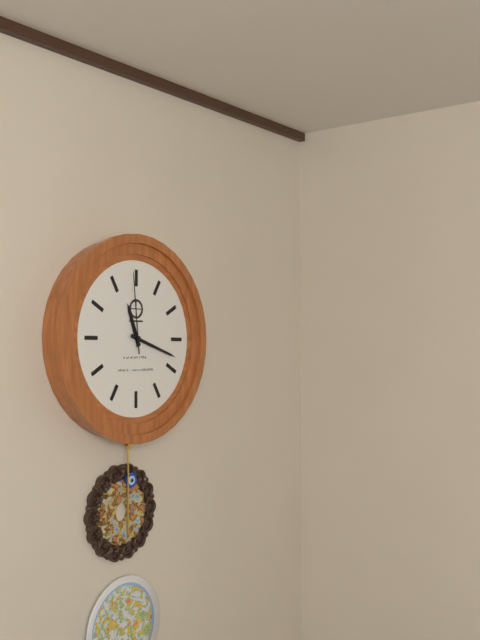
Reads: h=11 m=18 s=59
